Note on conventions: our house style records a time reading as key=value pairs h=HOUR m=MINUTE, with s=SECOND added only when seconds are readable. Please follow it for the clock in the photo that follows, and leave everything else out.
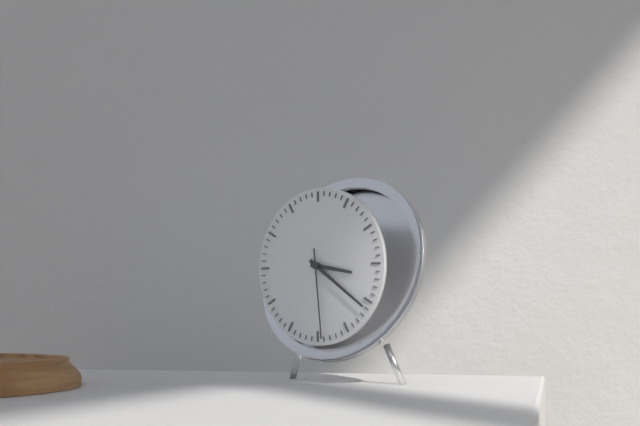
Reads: h=3 m=21 s=29
